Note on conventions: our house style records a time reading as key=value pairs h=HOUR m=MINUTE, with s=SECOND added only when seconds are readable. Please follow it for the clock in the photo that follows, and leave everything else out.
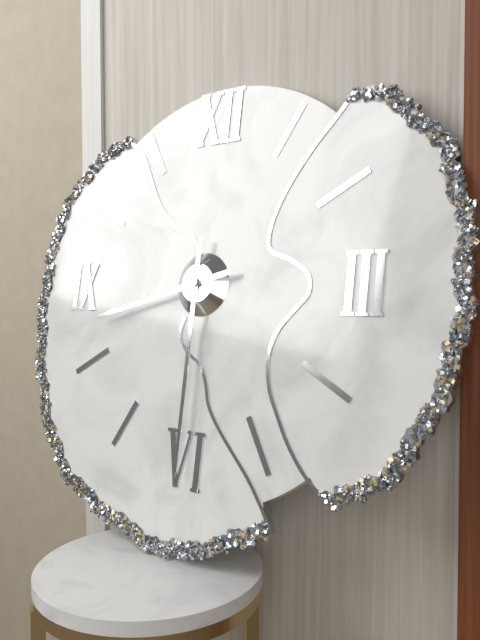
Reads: h=8 m=30
